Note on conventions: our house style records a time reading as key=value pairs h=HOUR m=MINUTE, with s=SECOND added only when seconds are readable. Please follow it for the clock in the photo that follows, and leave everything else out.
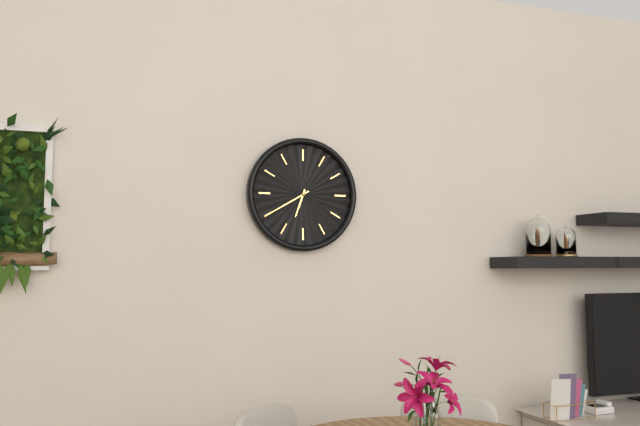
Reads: h=6 m=40
